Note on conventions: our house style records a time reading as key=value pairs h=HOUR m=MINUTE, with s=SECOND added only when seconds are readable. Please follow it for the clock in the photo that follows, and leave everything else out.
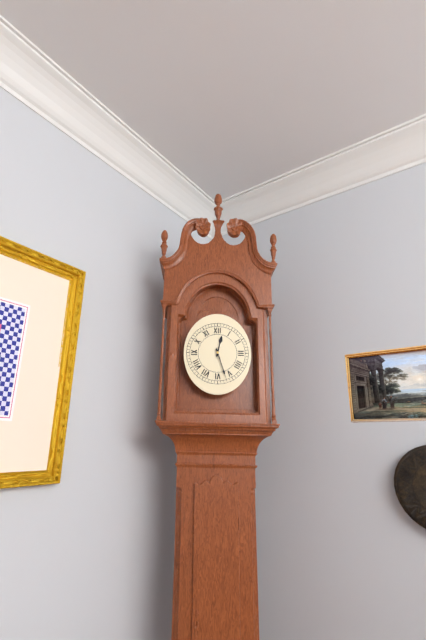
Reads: h=12 m=27
